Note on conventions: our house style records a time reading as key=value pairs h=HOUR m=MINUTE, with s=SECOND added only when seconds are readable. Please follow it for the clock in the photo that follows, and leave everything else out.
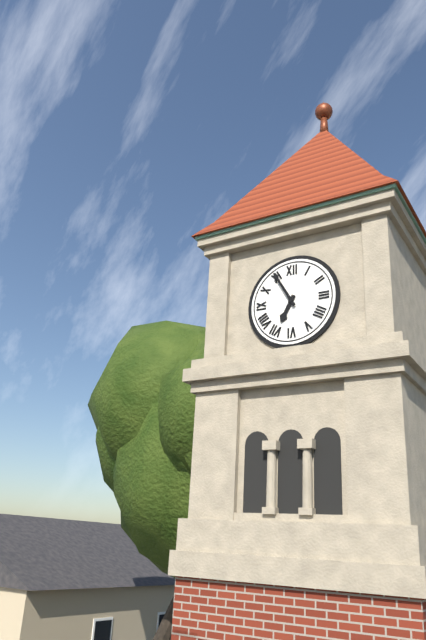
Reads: h=6 m=55
